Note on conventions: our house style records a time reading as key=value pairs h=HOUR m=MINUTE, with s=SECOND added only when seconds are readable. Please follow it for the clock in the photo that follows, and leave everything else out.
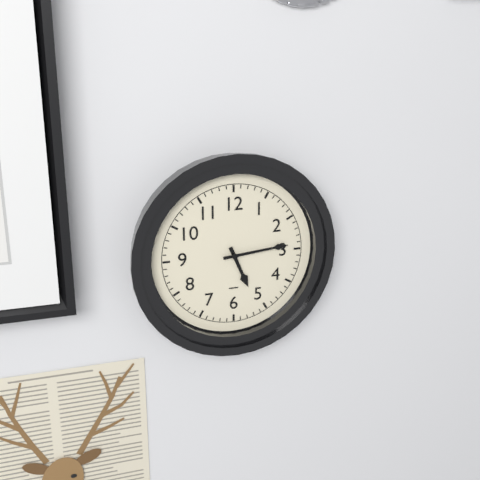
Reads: h=5 m=14
